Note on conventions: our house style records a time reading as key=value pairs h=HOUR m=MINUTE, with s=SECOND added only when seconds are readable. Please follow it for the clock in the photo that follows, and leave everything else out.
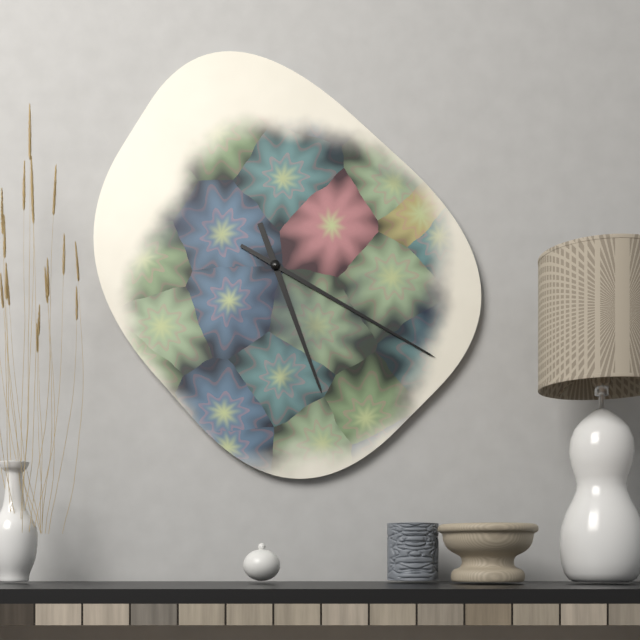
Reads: h=5 m=20
